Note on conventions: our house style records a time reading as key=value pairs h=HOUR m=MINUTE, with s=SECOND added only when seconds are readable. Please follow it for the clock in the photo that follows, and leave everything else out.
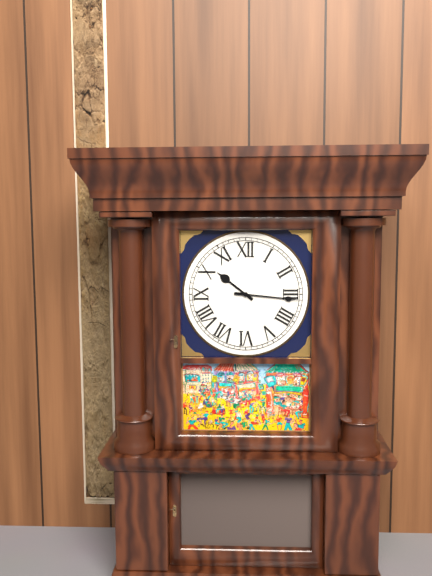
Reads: h=10 m=16
